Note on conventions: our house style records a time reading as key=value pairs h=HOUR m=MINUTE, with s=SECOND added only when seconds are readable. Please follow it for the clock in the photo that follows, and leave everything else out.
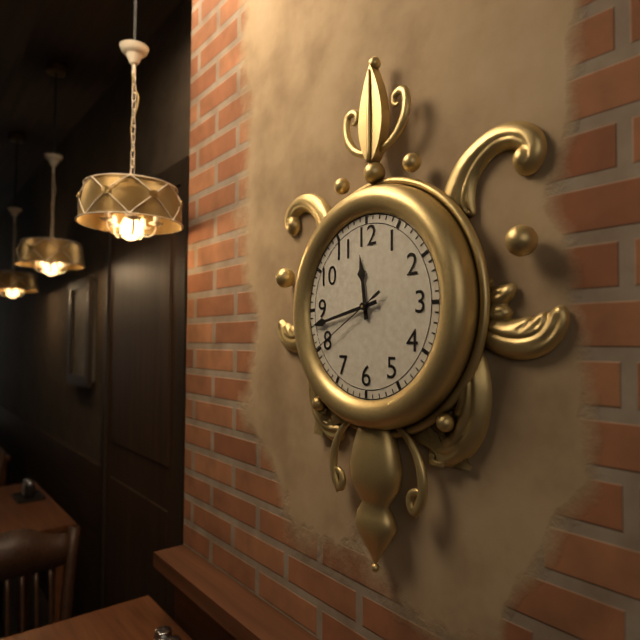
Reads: h=11 m=43 s=40
